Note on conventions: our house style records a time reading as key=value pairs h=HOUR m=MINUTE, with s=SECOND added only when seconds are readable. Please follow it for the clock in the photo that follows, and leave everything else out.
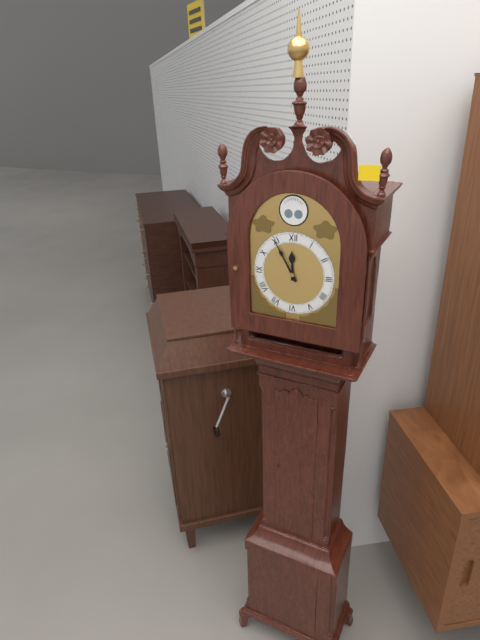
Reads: h=11 m=55
